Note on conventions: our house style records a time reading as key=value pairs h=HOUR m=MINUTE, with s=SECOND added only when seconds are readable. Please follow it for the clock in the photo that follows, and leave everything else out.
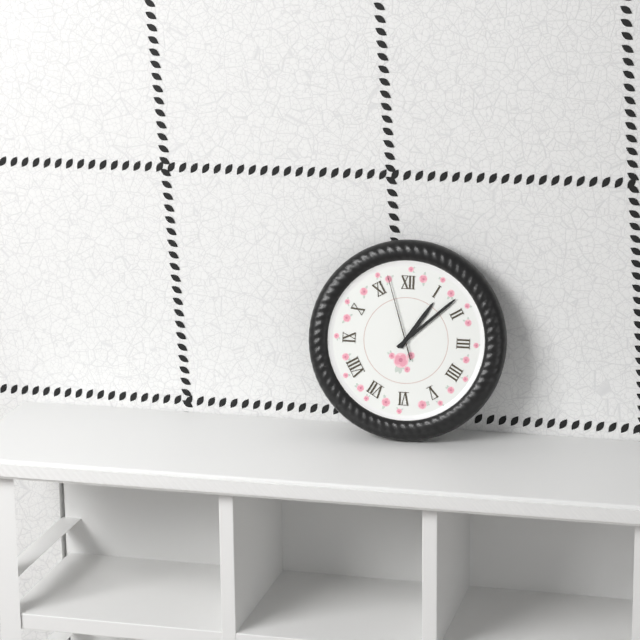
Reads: h=1 m=8 s=57
